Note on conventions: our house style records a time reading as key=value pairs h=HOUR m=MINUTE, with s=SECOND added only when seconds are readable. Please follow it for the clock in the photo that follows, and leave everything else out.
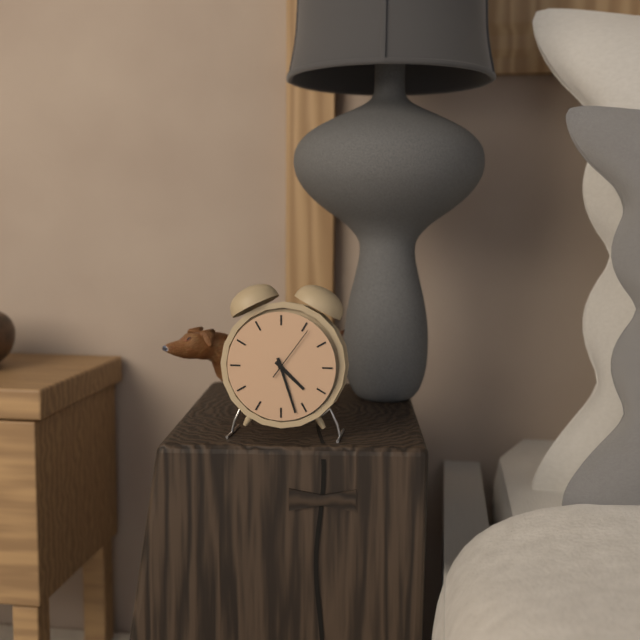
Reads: h=4 m=27 s=6
